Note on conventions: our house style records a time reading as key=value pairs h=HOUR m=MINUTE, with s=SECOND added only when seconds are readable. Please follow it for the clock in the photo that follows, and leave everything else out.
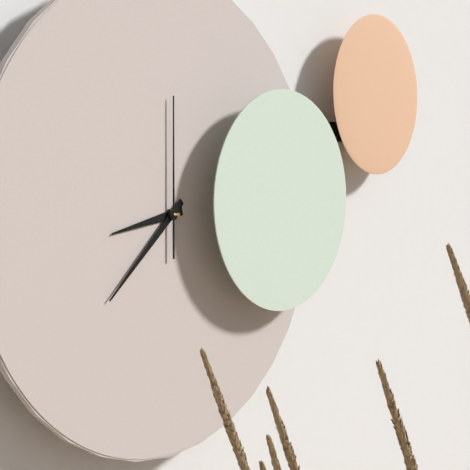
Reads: h=8 m=38 s=0
